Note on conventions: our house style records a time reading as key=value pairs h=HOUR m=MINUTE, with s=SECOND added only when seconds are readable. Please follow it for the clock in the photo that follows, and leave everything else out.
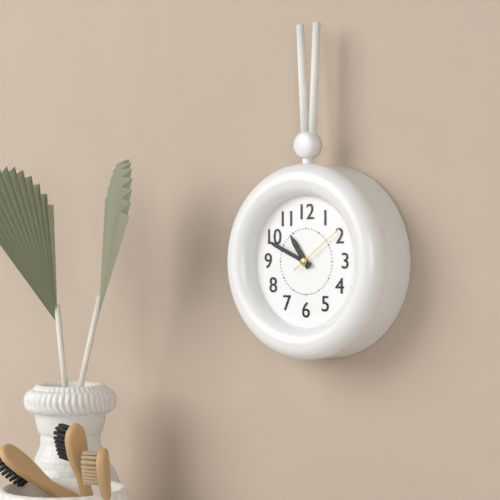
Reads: h=10 m=49 s=9
